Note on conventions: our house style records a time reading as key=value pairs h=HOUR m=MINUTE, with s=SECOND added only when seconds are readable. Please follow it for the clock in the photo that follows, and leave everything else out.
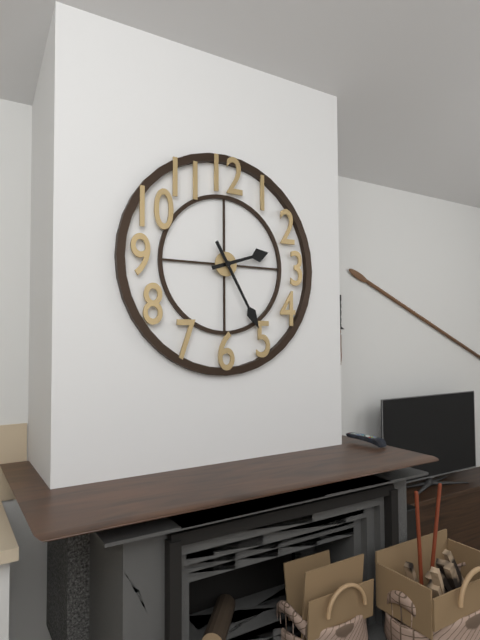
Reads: h=2 m=25
